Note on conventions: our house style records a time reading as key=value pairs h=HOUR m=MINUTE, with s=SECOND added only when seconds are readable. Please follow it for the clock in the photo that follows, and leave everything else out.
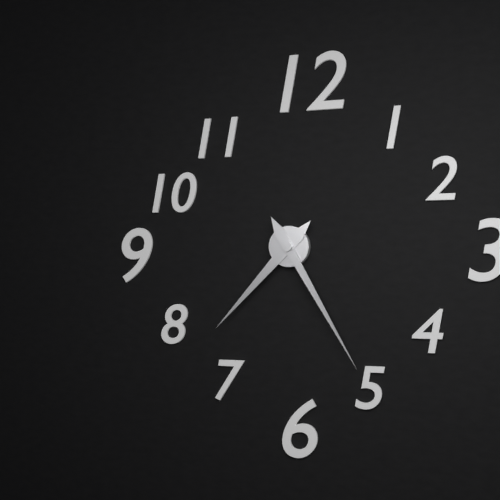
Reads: h=7 m=25
